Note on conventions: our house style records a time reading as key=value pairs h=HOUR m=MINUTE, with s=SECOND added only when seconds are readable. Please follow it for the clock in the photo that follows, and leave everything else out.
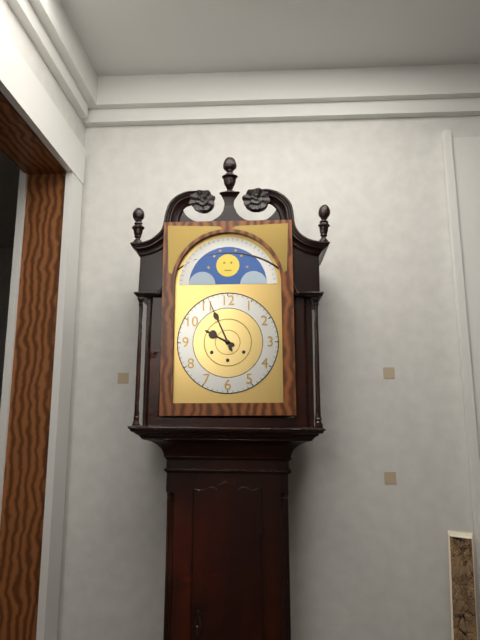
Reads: h=9 m=56
